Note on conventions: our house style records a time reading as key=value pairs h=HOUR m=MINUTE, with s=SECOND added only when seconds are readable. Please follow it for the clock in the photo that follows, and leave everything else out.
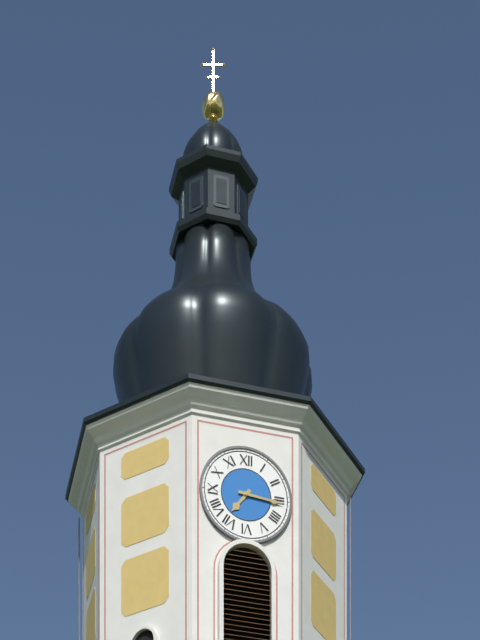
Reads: h=7 m=16
